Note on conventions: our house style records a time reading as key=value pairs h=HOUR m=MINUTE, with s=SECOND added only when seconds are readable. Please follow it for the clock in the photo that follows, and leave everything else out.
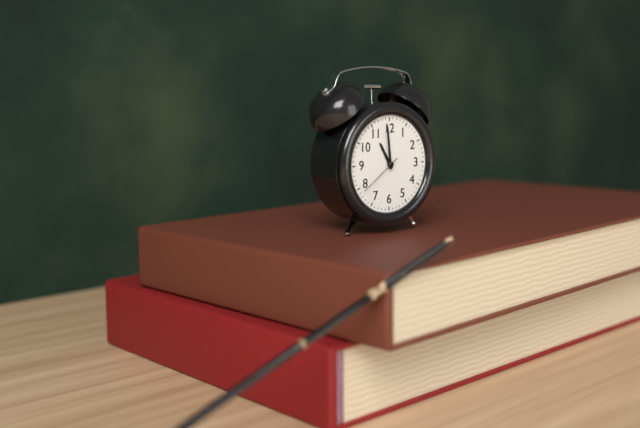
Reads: h=10 m=59
